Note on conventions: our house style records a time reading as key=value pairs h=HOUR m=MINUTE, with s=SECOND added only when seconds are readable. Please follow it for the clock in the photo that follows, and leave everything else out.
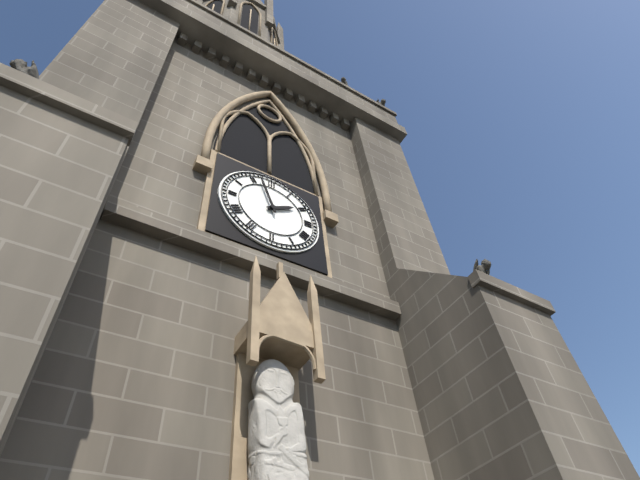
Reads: h=1 m=57
